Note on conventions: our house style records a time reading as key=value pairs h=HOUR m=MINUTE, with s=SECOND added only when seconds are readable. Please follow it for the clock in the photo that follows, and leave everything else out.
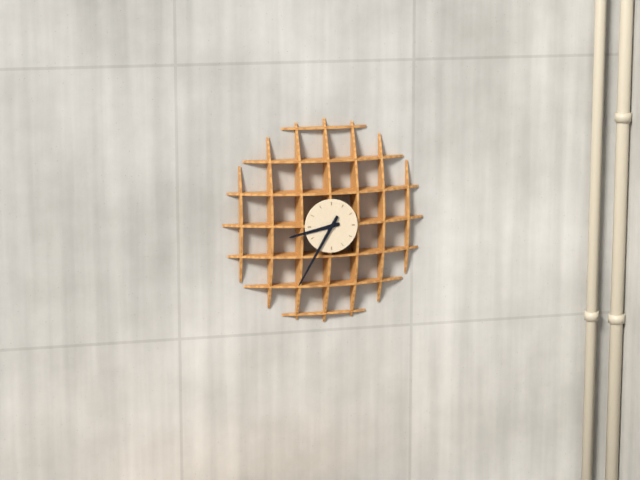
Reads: h=8 m=35
